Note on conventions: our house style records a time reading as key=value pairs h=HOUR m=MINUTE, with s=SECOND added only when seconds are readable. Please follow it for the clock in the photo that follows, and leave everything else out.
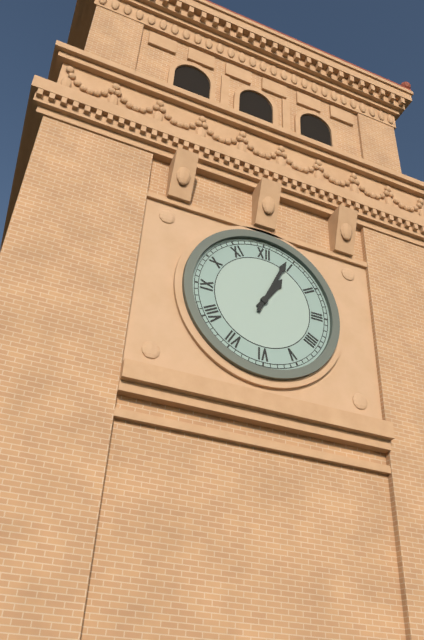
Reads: h=1 m=4
